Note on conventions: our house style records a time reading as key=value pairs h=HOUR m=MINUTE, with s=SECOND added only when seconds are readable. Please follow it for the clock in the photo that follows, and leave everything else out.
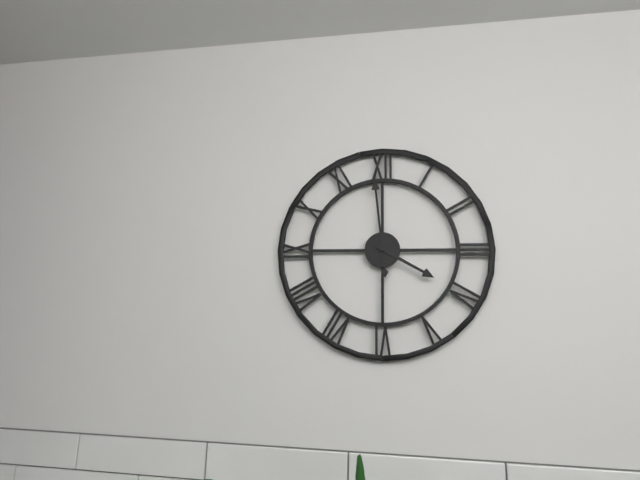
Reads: h=3 m=59
